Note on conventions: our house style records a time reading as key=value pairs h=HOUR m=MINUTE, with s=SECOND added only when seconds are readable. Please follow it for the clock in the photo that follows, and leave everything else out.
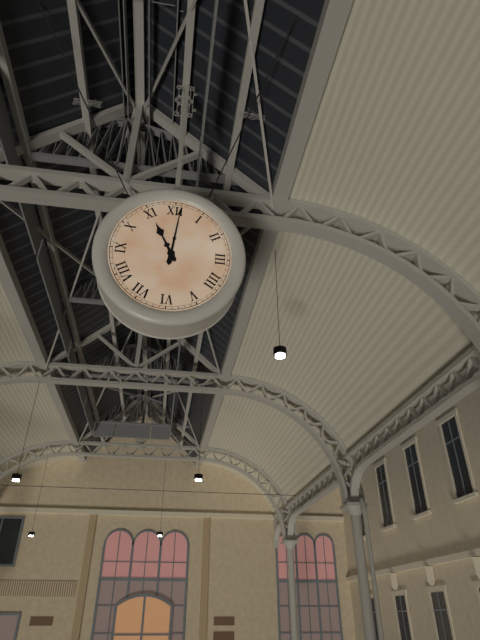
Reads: h=11 m=1
